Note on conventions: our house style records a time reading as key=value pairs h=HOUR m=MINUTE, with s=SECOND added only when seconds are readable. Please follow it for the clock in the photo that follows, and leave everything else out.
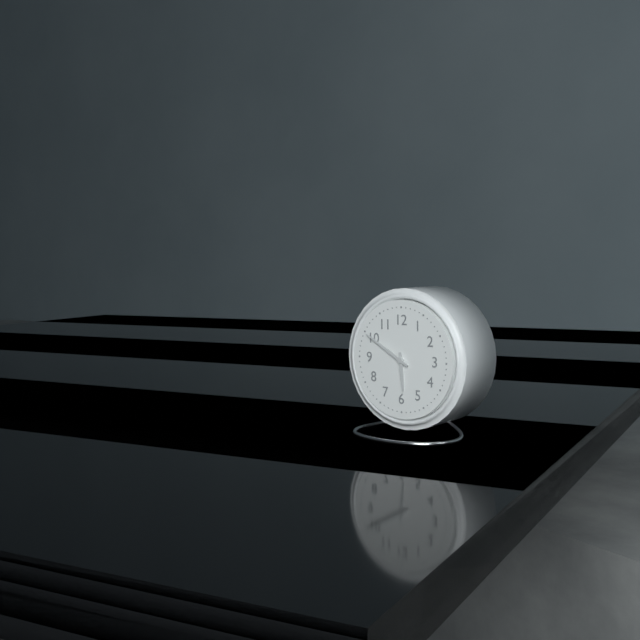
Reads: h=5 m=50
